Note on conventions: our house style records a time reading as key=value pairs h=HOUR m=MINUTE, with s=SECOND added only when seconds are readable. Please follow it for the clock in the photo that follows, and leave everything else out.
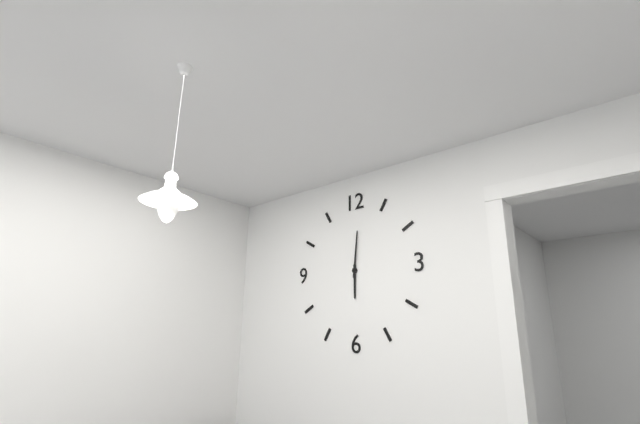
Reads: h=6 m=1
